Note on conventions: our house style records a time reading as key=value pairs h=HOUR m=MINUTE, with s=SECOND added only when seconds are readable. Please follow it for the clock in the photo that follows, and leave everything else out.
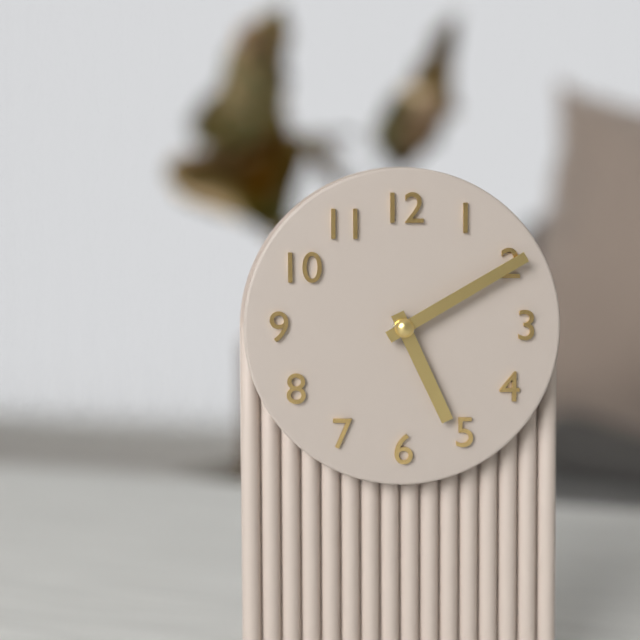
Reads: h=5 m=10
